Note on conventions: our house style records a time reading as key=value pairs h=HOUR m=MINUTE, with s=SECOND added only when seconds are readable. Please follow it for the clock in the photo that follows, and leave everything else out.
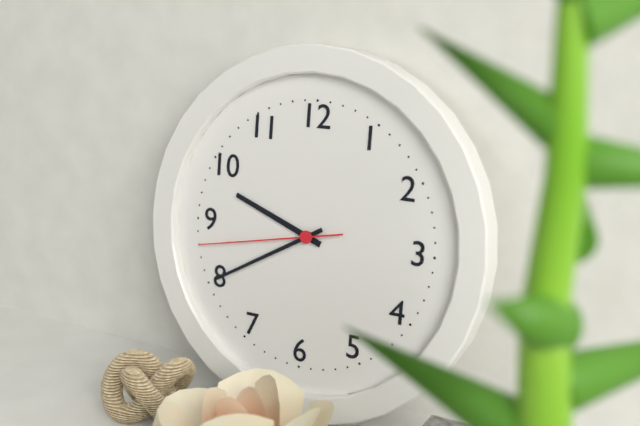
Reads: h=9 m=40 s=43
